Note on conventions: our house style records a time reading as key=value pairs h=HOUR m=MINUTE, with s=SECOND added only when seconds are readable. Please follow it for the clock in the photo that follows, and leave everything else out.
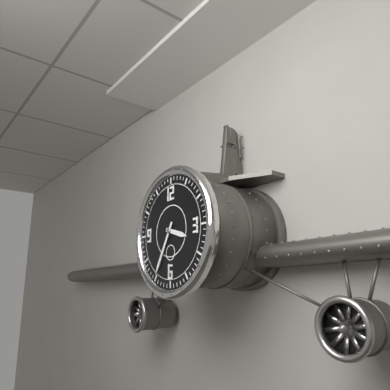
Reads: h=3 m=35
